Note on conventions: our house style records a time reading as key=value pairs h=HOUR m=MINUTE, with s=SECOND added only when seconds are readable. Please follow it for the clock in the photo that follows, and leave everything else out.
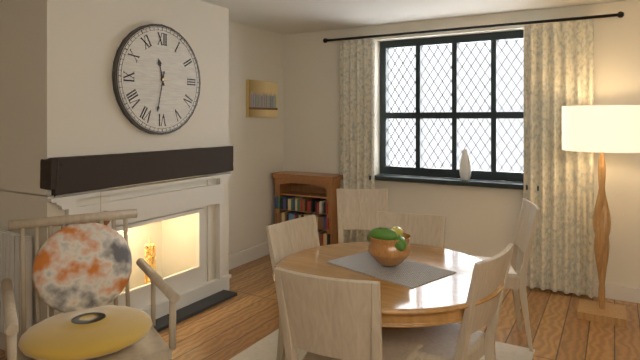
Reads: h=11 m=32
